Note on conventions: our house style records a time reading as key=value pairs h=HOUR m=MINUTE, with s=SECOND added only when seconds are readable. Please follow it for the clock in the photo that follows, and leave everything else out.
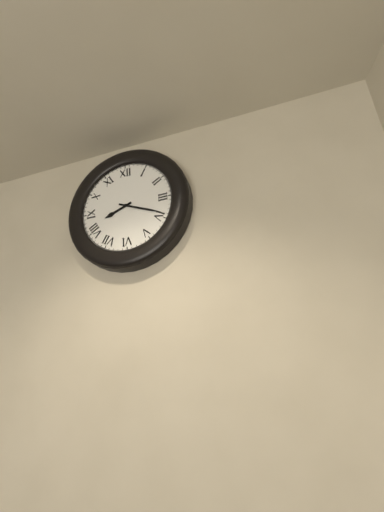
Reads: h=8 m=19
